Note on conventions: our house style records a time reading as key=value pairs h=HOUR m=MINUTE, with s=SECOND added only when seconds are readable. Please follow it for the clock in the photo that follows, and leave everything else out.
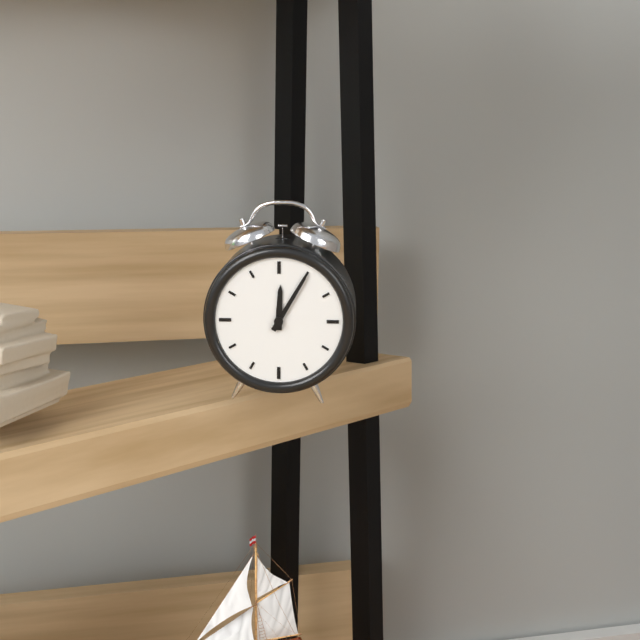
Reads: h=12 m=5
